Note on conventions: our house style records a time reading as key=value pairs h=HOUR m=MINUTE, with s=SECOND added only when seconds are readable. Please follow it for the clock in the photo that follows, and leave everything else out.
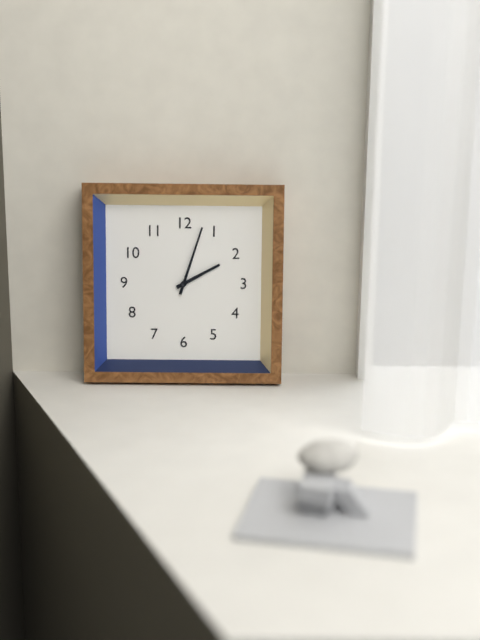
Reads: h=2 m=3
